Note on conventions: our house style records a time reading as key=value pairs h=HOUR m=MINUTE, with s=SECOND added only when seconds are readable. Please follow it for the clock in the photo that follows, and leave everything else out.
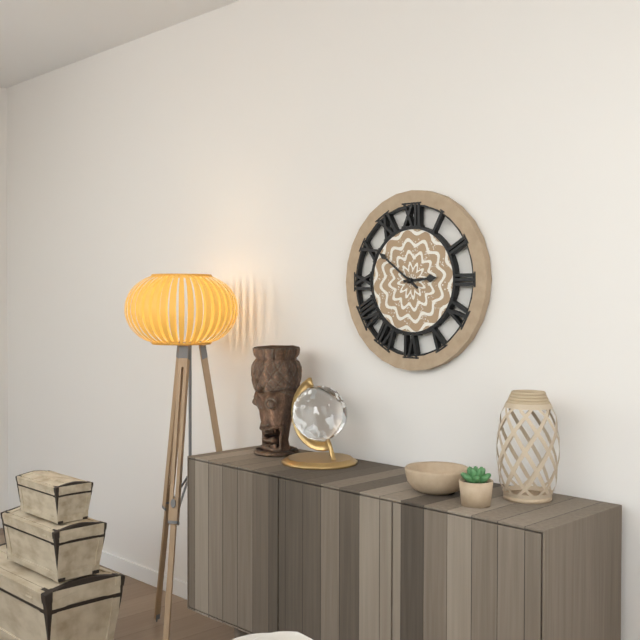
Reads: h=2 m=51
